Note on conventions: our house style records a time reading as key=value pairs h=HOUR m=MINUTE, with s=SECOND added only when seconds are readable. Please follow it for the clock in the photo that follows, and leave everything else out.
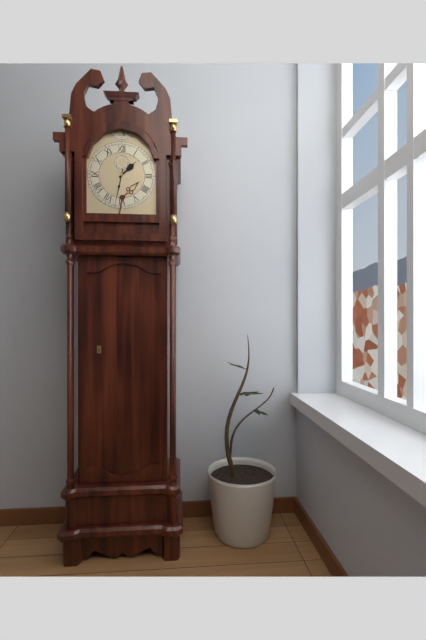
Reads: h=1 m=32
